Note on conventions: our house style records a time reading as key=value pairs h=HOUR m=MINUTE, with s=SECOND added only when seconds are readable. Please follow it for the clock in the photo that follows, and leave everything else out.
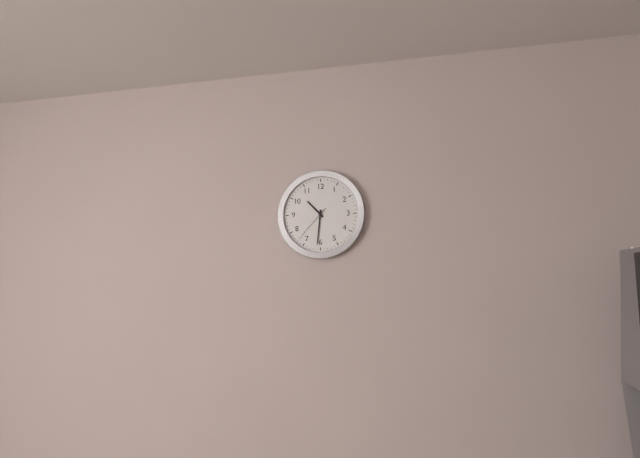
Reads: h=10 m=31
